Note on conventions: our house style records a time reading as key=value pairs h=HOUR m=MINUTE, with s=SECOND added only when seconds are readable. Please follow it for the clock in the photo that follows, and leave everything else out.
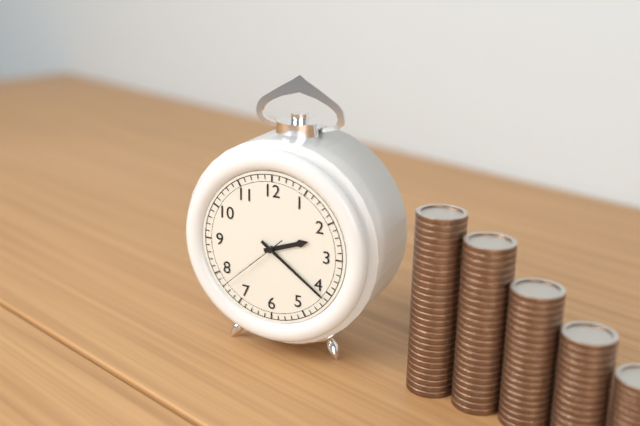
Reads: h=2 m=21 s=38
